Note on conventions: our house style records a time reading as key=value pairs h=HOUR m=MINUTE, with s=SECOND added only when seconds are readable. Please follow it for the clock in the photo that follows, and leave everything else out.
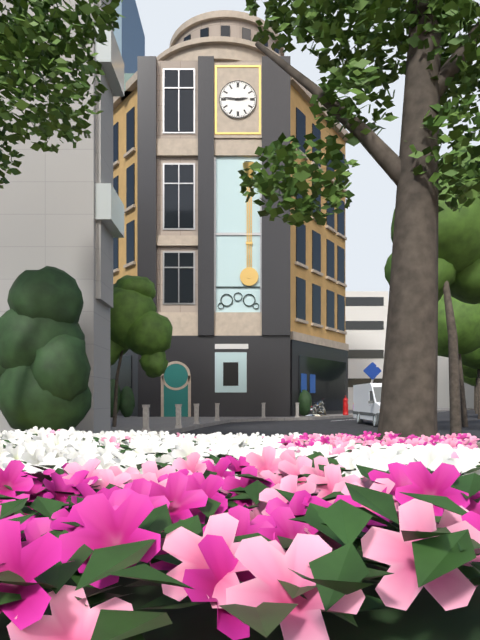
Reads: h=2 m=46
